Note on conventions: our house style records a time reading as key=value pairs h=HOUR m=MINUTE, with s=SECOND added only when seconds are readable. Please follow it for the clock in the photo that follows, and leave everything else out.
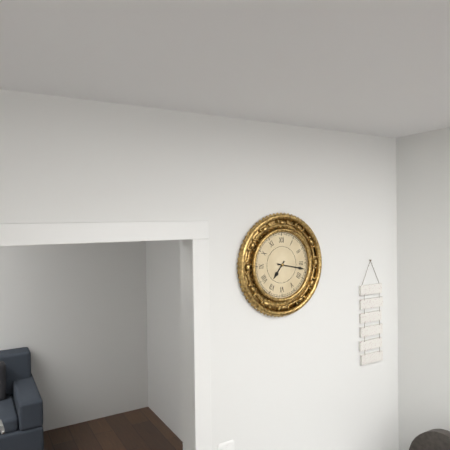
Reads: h=7 m=17
